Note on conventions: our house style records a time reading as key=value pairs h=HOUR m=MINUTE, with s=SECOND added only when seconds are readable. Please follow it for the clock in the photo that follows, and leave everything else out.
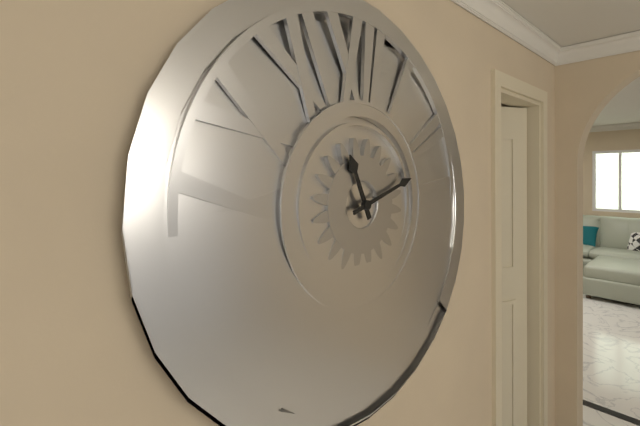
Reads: h=11 m=12
